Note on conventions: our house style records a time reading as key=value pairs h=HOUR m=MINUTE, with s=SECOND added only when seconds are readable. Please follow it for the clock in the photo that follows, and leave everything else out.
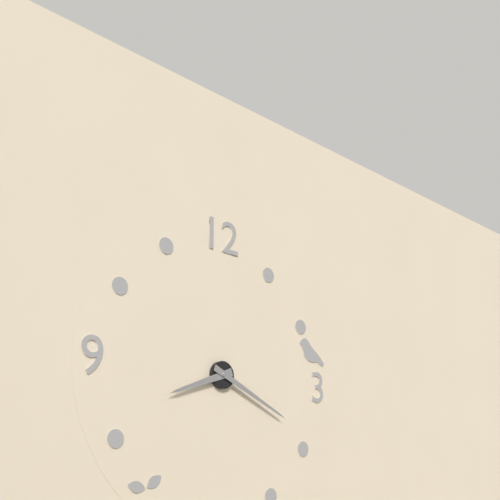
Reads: h=8 m=19
